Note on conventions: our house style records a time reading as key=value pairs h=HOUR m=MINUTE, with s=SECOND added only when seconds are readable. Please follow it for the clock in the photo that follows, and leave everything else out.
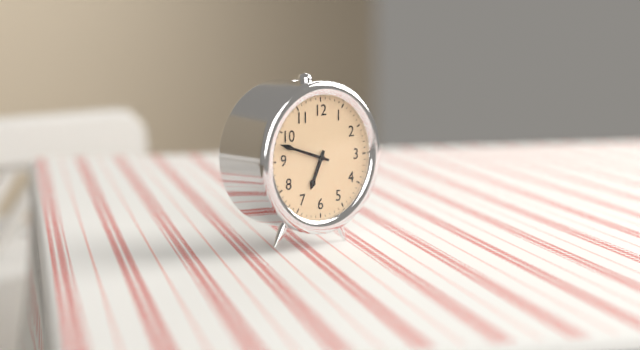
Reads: h=6 m=48
